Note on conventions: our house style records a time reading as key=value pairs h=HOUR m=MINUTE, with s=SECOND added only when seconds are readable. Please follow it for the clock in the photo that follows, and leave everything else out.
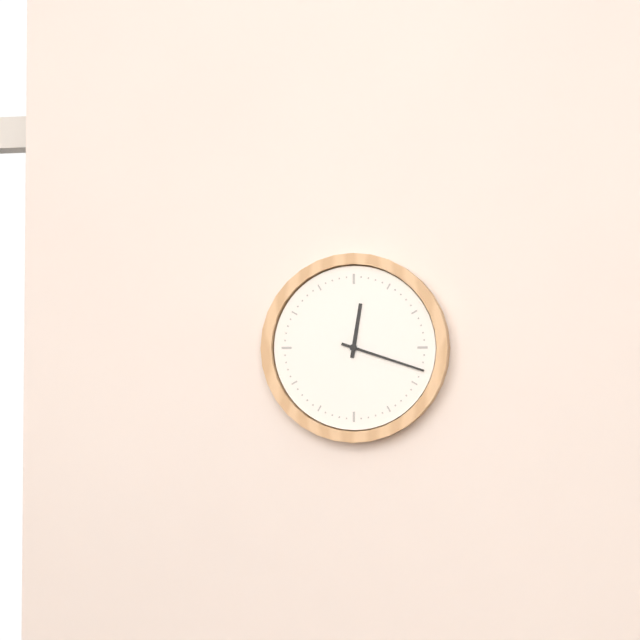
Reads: h=12 m=18
